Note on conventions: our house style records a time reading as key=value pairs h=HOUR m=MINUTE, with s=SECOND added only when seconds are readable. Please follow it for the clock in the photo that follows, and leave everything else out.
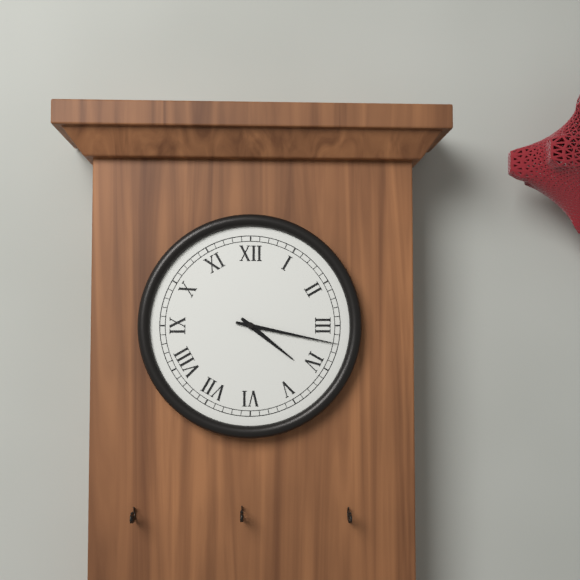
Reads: h=4 m=17
